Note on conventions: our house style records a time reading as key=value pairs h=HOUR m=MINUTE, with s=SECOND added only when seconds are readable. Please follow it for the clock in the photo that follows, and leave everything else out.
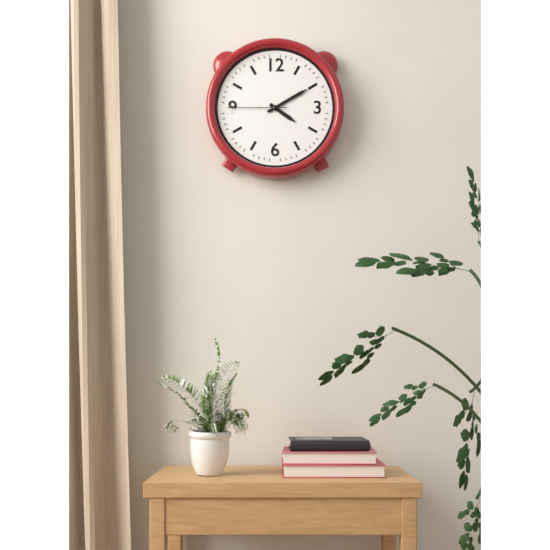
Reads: h=4 m=10 s=45
